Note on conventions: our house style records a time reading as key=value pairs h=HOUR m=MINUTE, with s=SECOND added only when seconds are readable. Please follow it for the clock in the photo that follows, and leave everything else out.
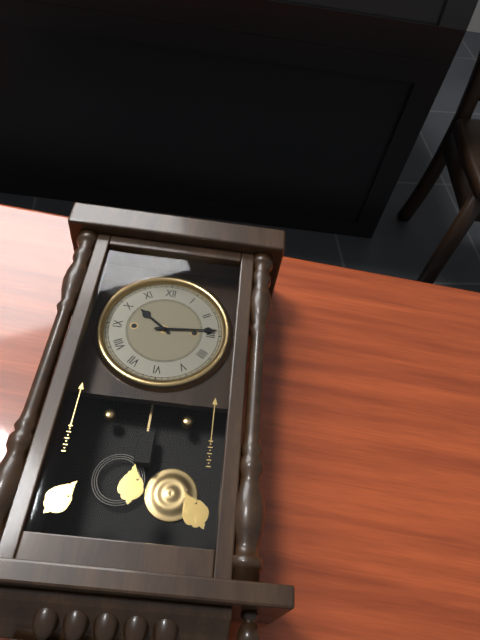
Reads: h=10 m=14
